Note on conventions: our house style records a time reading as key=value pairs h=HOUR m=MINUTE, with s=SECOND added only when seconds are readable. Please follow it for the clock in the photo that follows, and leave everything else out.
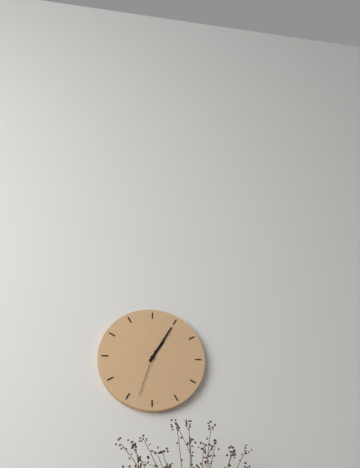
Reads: h=1 m=5 s=33
